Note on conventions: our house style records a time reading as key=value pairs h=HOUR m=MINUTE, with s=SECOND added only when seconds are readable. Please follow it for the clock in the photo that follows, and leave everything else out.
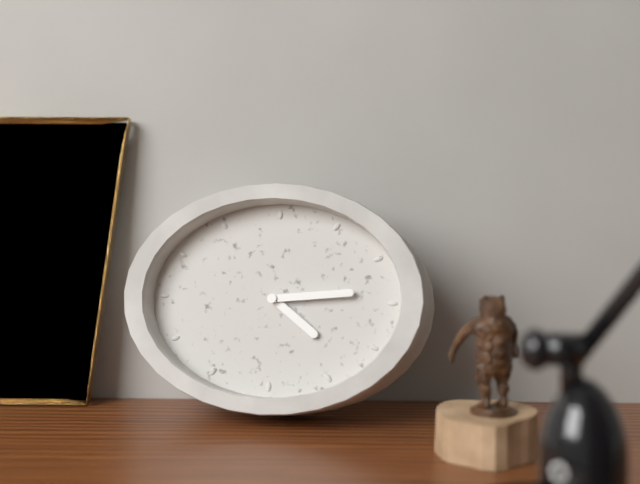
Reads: h=4 m=14
